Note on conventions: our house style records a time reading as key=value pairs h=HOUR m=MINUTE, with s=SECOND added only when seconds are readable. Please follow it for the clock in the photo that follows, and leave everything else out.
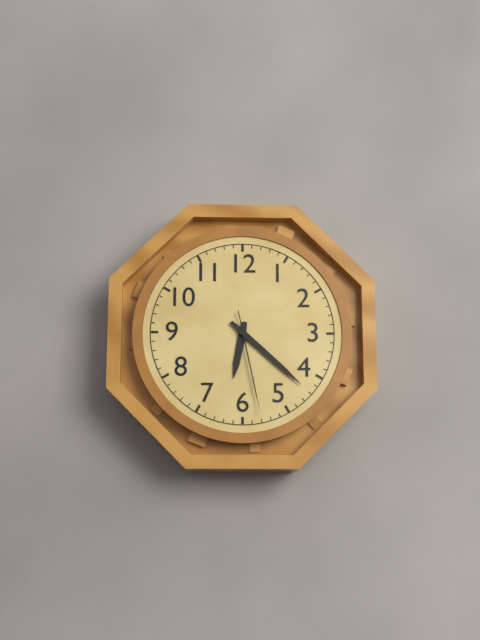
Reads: h=6 m=22 s=28
